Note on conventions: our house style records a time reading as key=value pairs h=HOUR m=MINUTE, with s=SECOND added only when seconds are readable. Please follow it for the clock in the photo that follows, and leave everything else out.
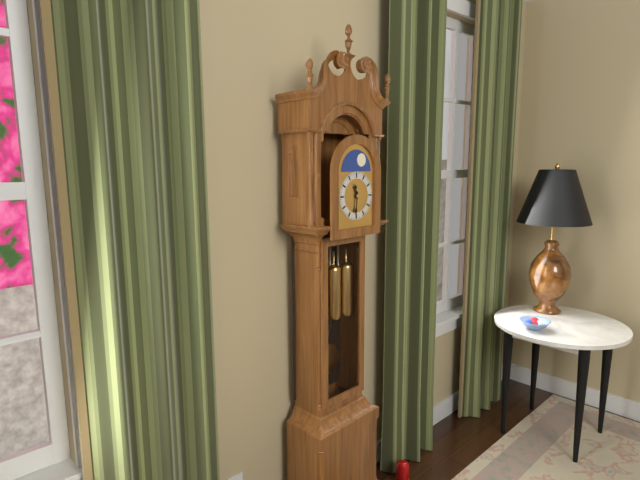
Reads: h=11 m=31
